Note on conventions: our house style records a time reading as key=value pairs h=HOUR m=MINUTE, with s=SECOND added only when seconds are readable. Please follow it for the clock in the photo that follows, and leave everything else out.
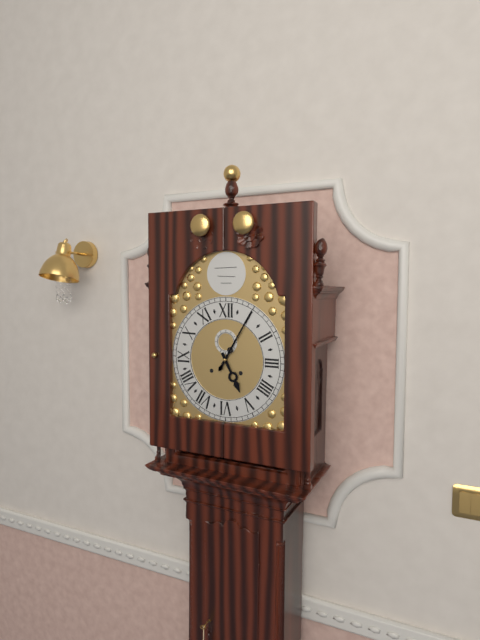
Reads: h=5 m=5
